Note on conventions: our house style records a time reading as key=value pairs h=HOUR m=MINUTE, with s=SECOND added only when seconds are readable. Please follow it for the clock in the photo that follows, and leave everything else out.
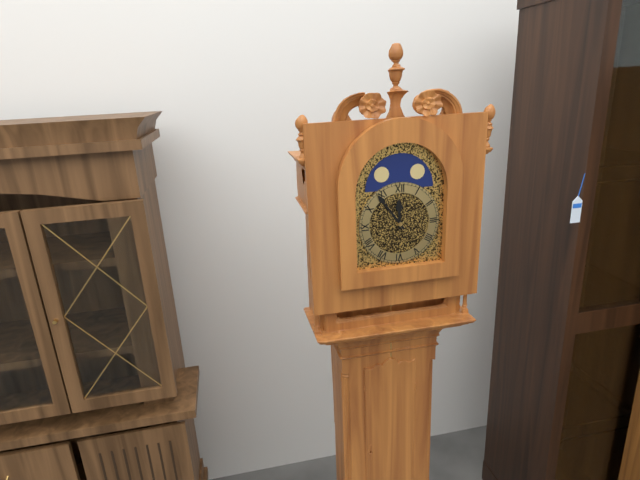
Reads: h=11 m=54
